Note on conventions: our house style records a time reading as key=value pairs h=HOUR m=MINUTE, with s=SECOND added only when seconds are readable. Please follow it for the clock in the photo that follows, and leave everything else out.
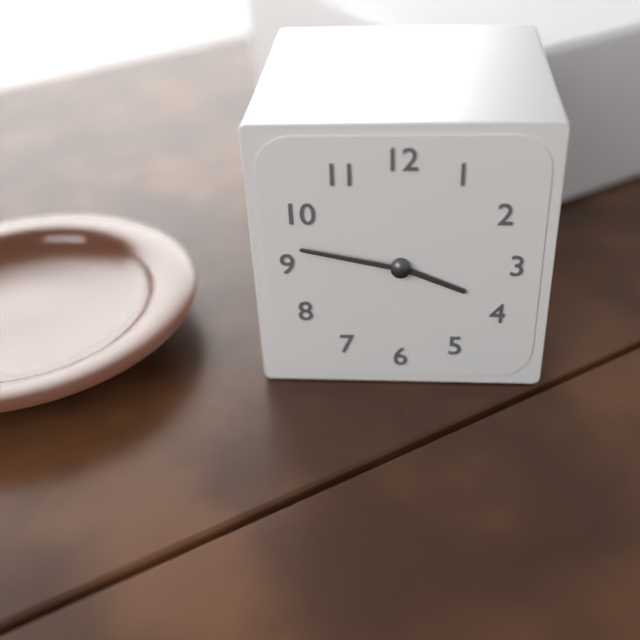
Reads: h=3 m=47
